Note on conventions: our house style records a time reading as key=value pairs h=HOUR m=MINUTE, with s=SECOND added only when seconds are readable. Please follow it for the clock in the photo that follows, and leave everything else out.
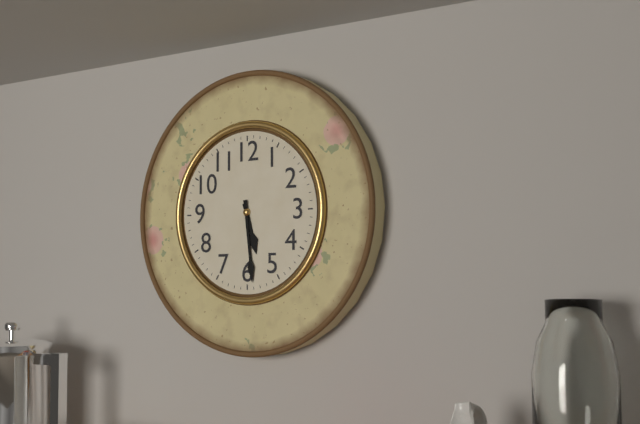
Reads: h=5 m=29
